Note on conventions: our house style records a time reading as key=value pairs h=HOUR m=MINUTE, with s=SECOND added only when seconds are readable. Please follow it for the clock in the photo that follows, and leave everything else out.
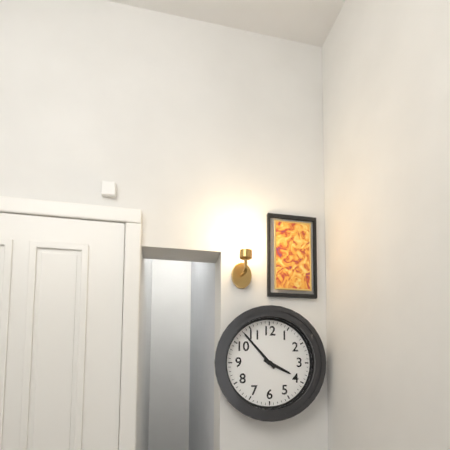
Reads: h=3 m=53
